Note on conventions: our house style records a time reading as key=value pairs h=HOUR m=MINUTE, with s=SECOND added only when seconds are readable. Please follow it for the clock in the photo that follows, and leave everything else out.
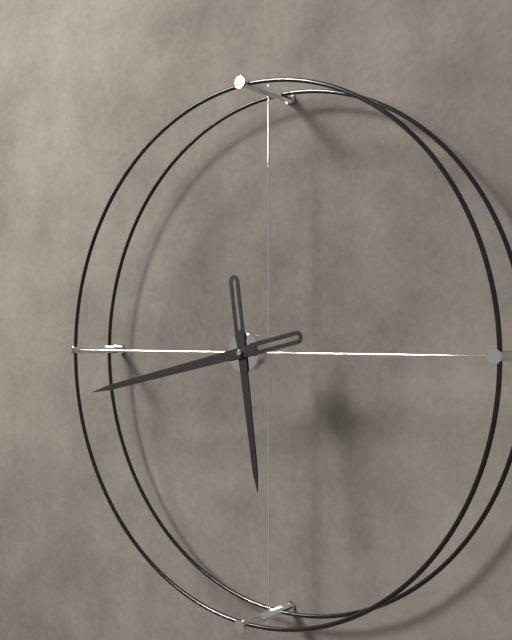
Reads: h=5 m=43
